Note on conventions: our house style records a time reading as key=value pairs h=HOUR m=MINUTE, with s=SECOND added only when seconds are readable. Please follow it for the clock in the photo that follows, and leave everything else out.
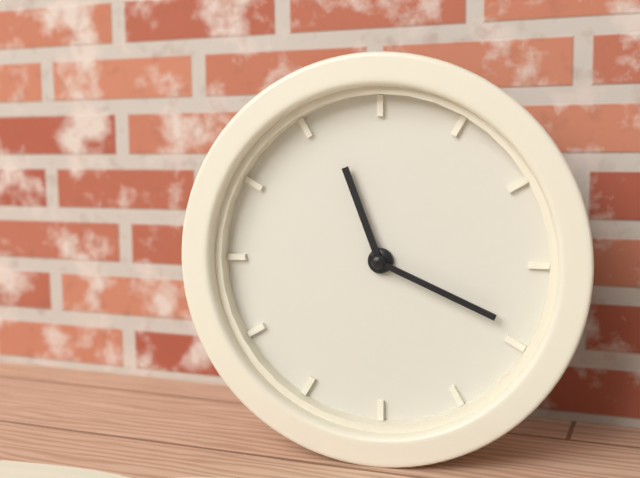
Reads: h=11 m=19
